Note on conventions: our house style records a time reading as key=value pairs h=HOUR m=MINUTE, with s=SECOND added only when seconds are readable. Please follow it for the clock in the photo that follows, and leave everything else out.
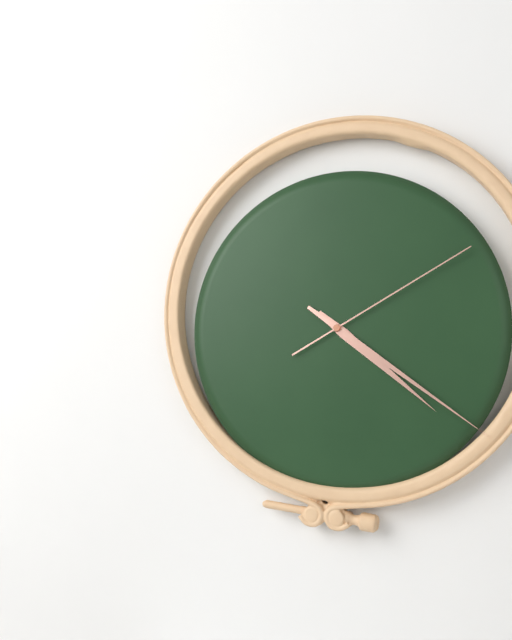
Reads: h=4 m=21 s=10
